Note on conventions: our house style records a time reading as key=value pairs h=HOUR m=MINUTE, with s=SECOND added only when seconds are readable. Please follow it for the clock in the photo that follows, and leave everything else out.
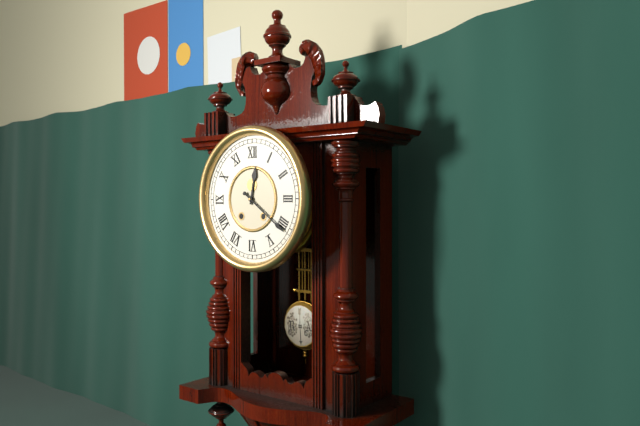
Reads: h=12 m=21
